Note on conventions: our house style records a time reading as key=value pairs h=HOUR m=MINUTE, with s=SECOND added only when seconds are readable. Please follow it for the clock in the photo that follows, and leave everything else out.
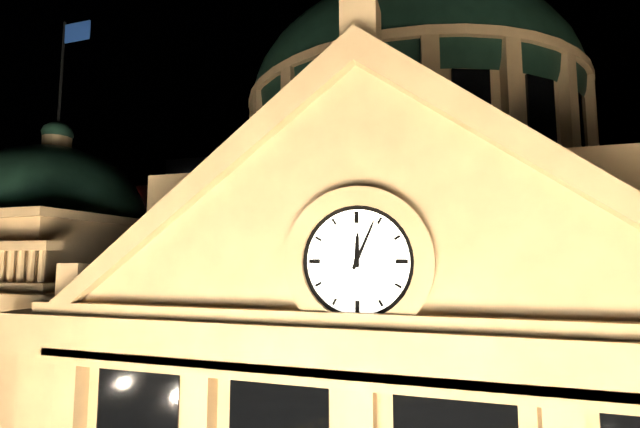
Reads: h=12 m=4
